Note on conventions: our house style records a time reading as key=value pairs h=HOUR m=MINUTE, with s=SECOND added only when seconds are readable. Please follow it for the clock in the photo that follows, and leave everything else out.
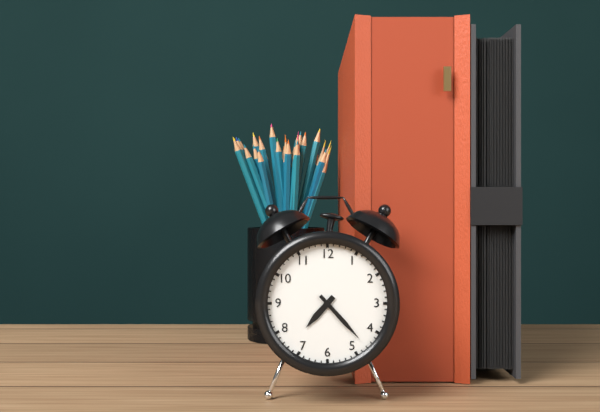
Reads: h=7 m=23
